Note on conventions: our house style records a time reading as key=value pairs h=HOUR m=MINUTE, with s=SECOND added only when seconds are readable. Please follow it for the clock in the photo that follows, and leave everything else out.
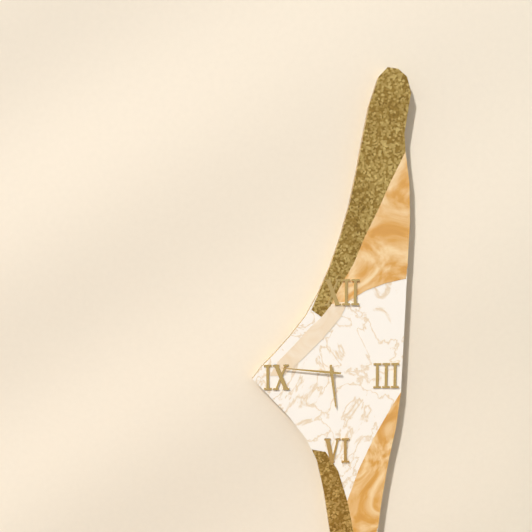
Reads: h=5 m=46
